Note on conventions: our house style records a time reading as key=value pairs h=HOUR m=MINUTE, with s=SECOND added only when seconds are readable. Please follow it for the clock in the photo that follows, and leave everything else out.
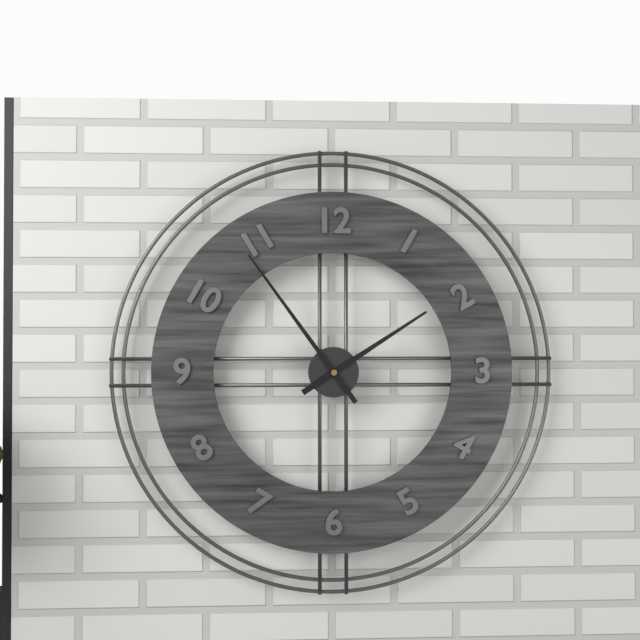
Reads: h=1 m=54
